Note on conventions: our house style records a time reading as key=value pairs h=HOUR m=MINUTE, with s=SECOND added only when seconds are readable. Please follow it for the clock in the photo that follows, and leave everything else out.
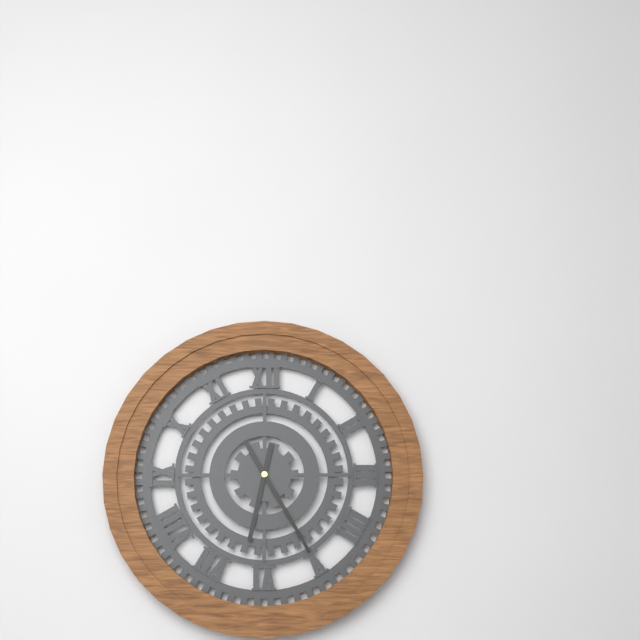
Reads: h=6 m=25
